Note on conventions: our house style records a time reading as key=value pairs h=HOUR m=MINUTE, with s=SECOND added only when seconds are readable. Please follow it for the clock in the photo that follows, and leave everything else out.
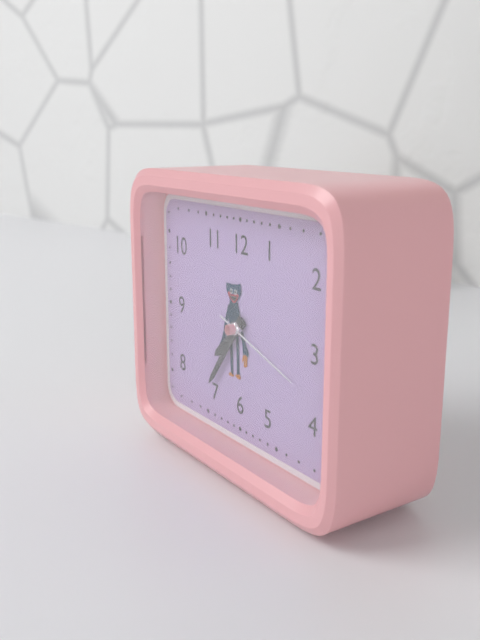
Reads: h=7 m=36 s=18
